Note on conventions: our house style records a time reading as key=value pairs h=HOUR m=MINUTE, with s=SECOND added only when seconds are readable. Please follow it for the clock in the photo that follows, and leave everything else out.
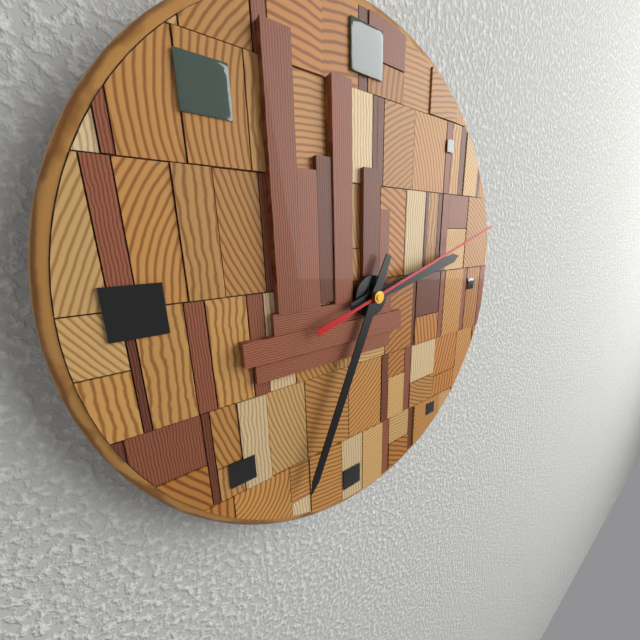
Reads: h=2 m=34 s=12
